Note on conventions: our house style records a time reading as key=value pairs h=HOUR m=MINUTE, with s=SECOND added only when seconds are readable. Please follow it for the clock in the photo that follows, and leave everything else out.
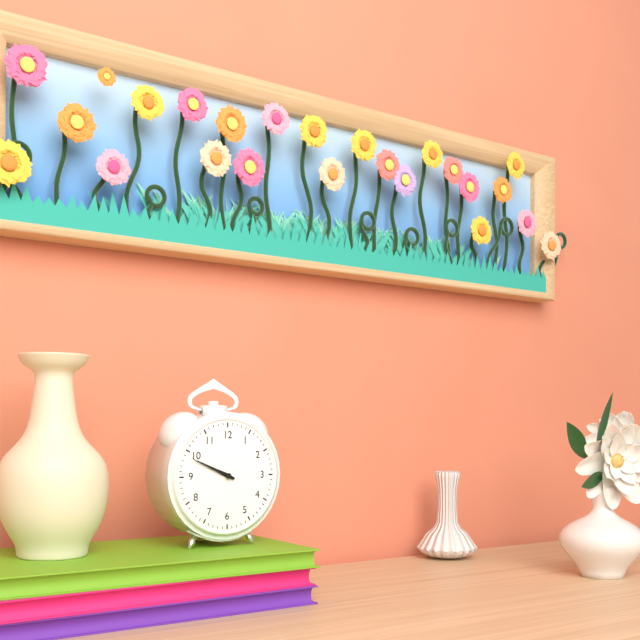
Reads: h=9 m=49
